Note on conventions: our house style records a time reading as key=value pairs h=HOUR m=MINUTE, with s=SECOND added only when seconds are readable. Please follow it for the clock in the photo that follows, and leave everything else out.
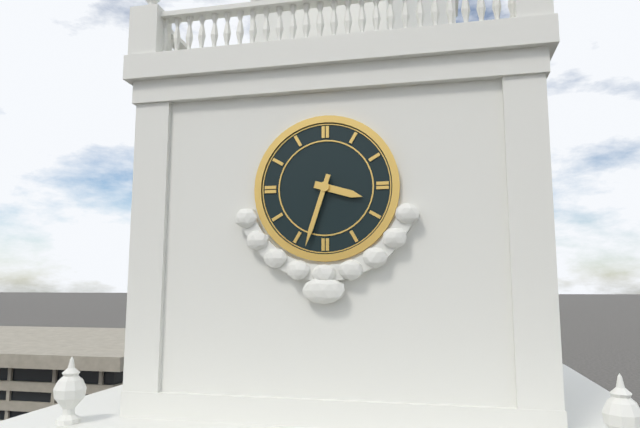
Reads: h=3 m=33
